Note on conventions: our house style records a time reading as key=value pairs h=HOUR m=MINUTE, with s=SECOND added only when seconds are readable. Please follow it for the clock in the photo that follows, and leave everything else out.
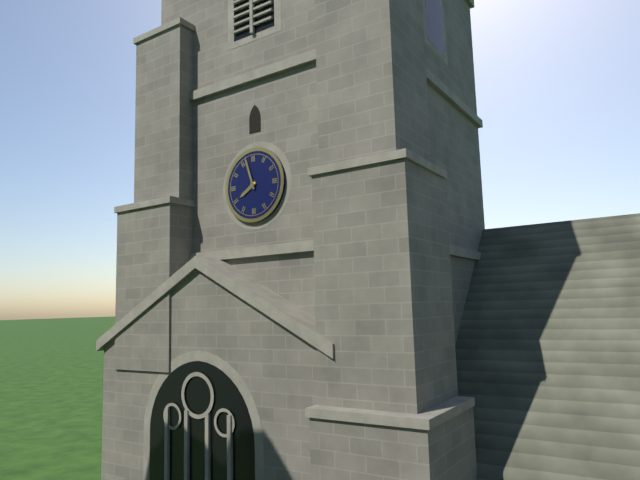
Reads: h=7 m=57
